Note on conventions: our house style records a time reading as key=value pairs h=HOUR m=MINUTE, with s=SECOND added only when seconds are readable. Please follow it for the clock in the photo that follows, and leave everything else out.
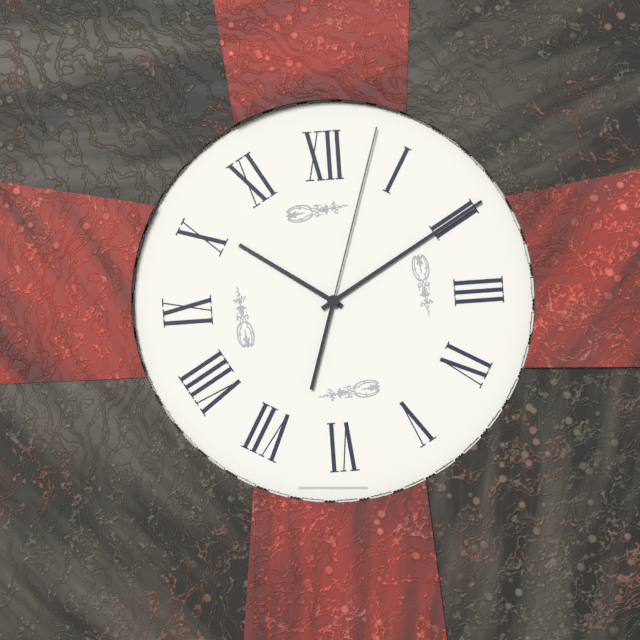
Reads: h=10 m=10 s=3
